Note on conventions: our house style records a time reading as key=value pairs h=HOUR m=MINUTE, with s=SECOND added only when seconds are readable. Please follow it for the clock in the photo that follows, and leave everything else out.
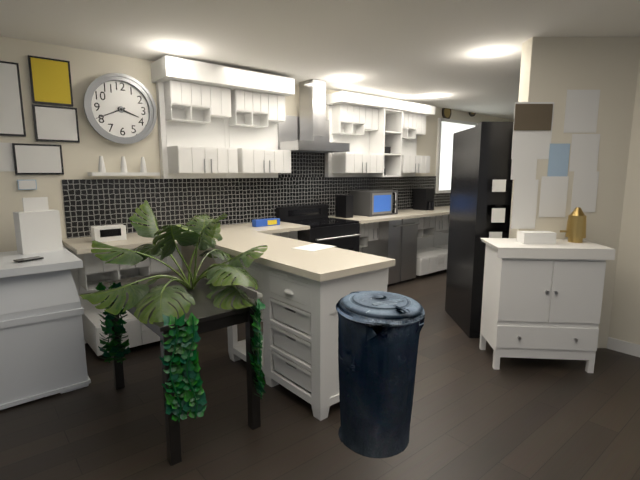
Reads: h=3 m=41
